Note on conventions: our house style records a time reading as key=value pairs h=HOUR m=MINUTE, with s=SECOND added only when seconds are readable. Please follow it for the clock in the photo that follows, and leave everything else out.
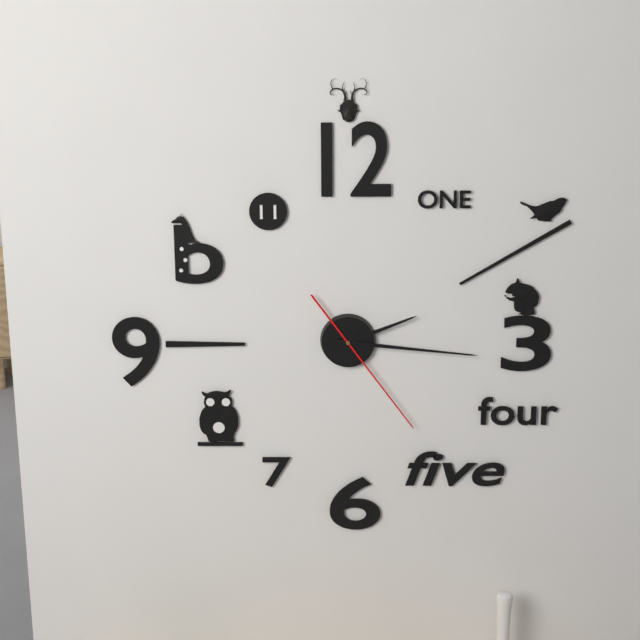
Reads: h=2 m=16 s=24
